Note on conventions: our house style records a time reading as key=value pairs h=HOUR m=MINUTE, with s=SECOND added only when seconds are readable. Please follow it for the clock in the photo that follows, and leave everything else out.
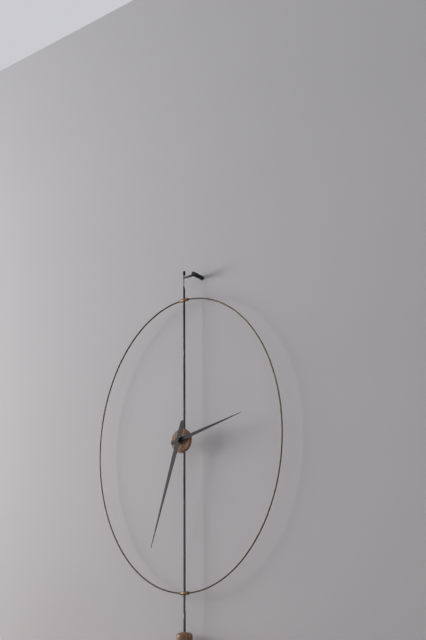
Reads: h=2 m=33
